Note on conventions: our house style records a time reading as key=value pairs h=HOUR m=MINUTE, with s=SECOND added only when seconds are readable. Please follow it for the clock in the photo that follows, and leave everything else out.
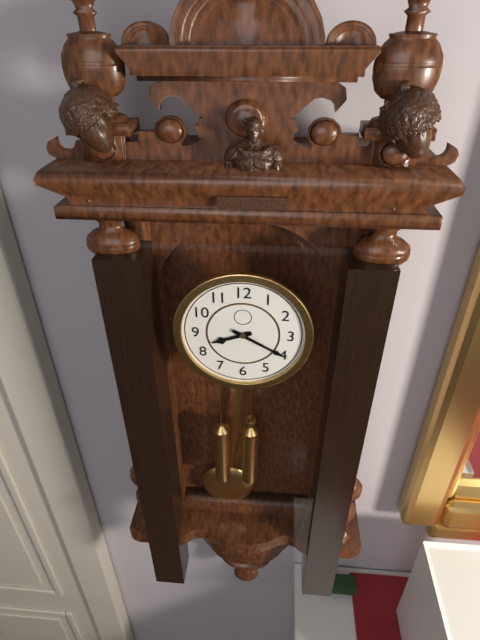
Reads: h=8 m=20
